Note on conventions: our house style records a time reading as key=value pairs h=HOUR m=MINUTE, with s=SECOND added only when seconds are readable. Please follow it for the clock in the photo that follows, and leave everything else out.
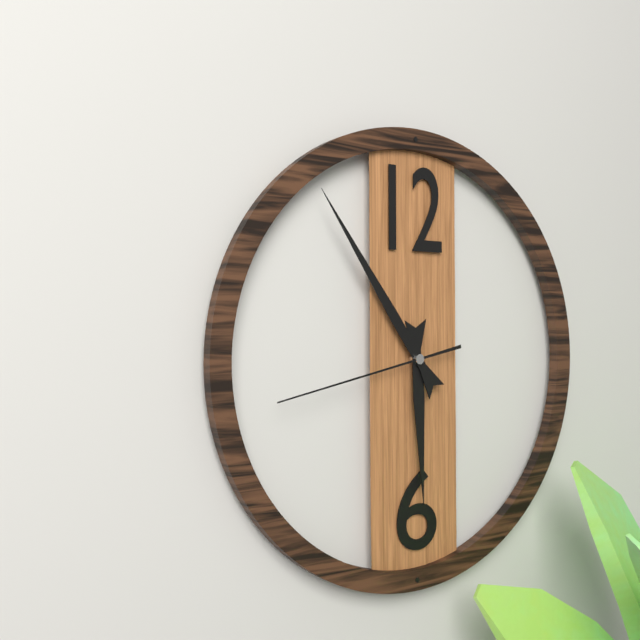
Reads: h=5 m=54 s=43
